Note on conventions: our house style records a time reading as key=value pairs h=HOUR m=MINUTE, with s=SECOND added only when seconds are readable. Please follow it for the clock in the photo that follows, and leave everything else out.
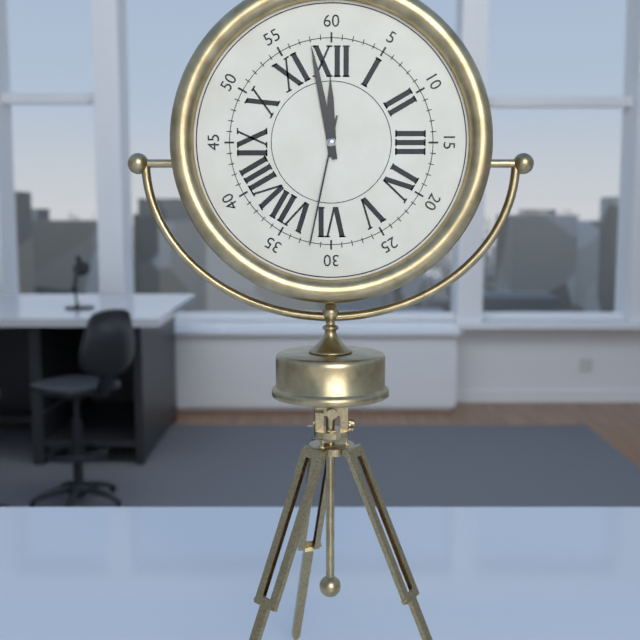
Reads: h=11 m=58 s=32
